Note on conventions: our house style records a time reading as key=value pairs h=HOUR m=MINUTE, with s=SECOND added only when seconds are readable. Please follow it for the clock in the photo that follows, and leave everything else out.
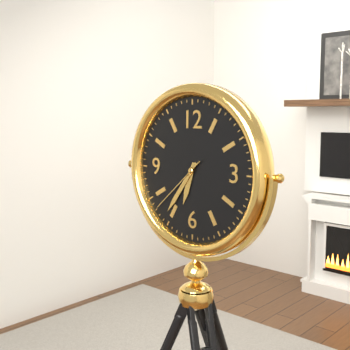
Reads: h=6 m=36 s=38
